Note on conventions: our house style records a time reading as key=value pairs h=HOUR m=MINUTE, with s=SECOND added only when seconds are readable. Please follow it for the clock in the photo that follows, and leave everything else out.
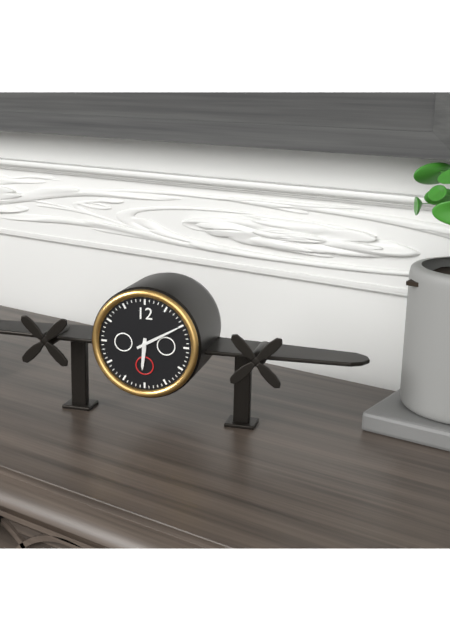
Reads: h=6 m=10
